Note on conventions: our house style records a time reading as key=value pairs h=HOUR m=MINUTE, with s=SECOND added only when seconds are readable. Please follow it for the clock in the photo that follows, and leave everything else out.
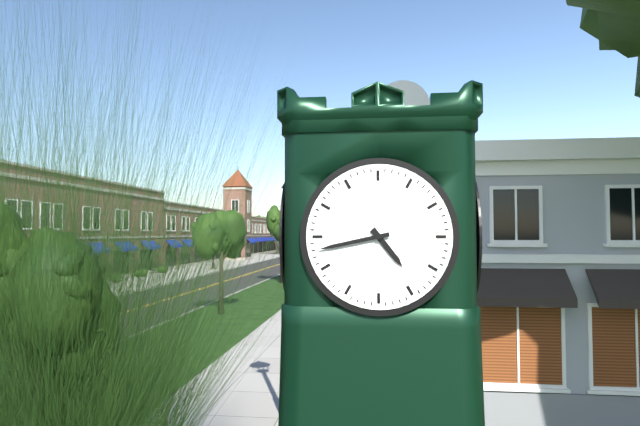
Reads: h=4 m=43
